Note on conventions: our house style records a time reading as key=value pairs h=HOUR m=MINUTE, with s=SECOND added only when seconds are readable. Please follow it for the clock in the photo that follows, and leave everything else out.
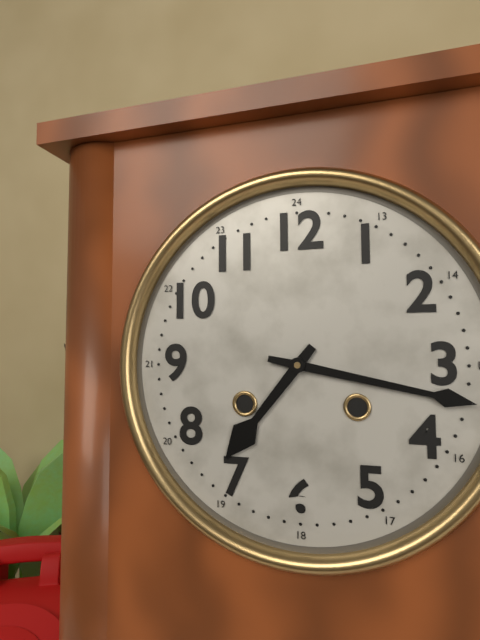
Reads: h=7 m=17
